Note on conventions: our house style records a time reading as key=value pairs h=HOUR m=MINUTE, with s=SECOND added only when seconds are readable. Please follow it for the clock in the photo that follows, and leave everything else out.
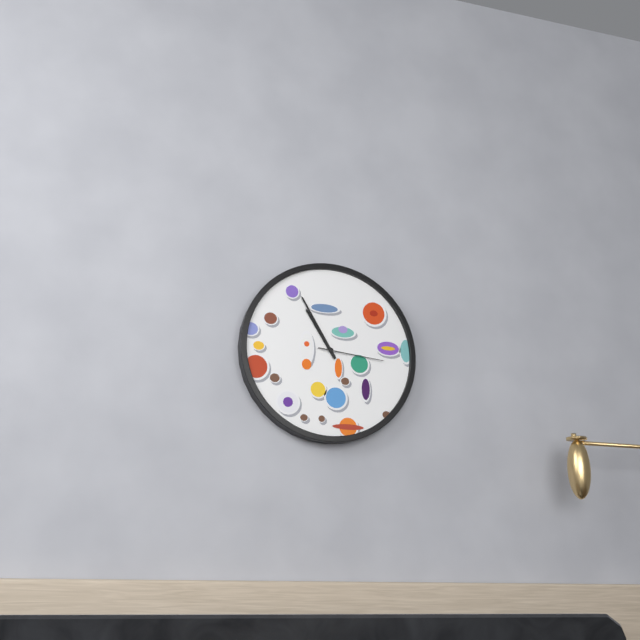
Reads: h=10 m=55 s=16
